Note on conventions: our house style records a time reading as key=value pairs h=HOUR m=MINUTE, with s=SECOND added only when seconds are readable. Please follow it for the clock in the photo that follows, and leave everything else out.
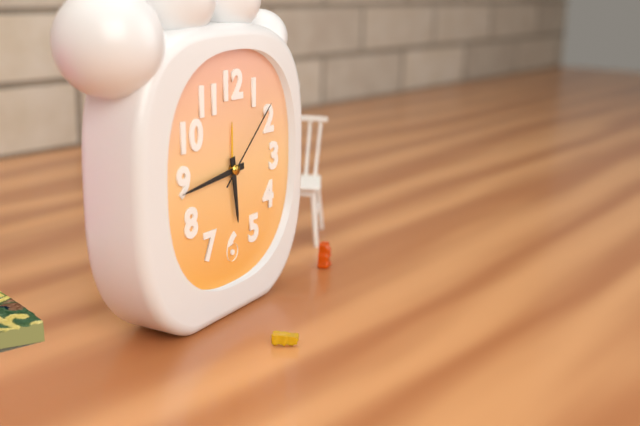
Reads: h=5 m=44 s=8
